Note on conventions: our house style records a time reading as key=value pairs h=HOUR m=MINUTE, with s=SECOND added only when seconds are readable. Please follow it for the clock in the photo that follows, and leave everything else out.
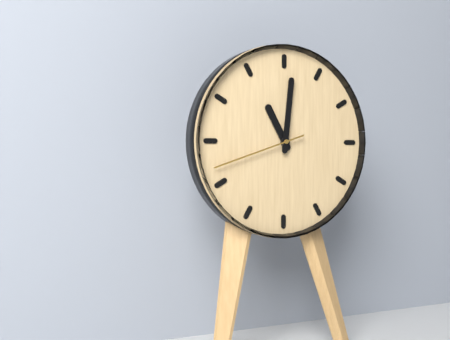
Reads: h=11 m=1 s=42
